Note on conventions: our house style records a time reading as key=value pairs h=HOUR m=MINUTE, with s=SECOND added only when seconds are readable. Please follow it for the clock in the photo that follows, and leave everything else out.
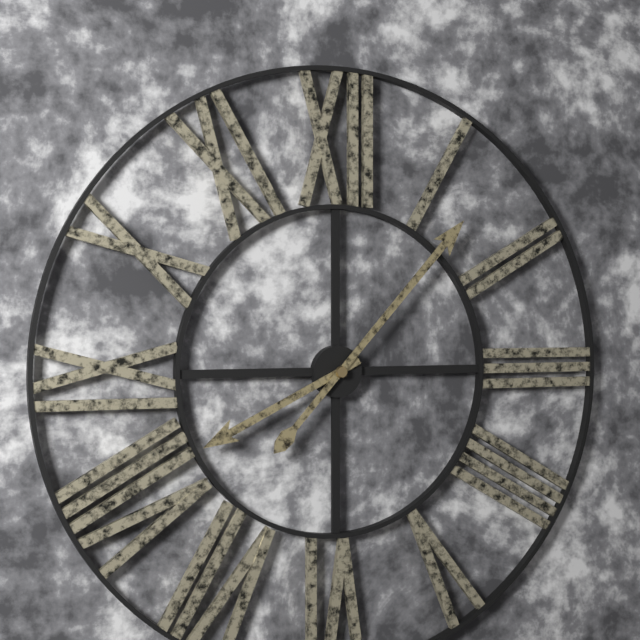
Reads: h=8 m=7
